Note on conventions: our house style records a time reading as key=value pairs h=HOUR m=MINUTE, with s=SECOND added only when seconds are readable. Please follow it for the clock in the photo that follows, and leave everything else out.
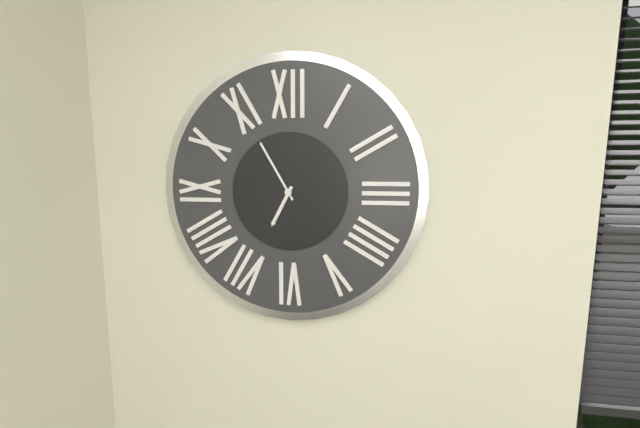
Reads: h=6 m=55
